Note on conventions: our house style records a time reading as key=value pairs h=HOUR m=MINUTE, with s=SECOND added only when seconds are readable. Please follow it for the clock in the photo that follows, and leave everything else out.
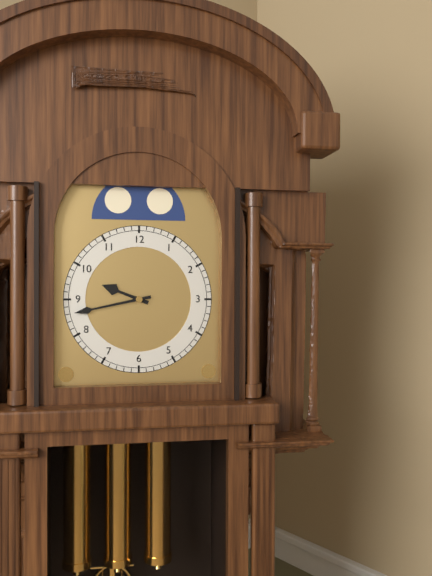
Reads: h=9 m=43
